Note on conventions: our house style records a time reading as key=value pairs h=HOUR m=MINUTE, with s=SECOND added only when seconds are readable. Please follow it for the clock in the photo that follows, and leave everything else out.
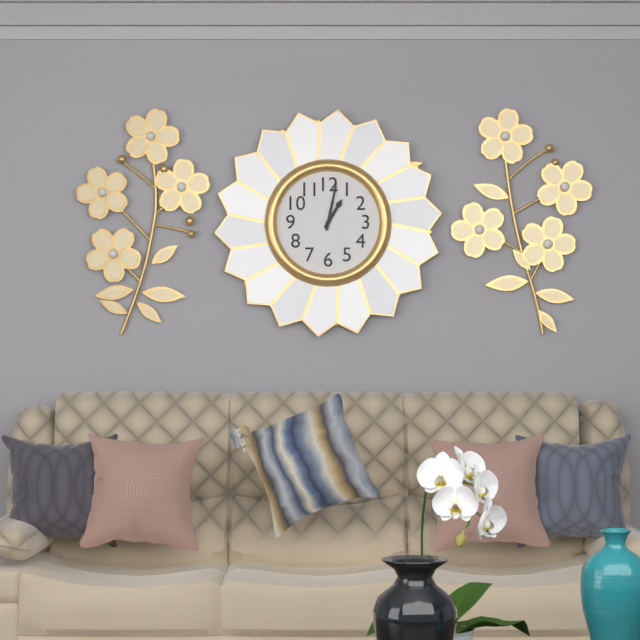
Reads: h=1 m=2
